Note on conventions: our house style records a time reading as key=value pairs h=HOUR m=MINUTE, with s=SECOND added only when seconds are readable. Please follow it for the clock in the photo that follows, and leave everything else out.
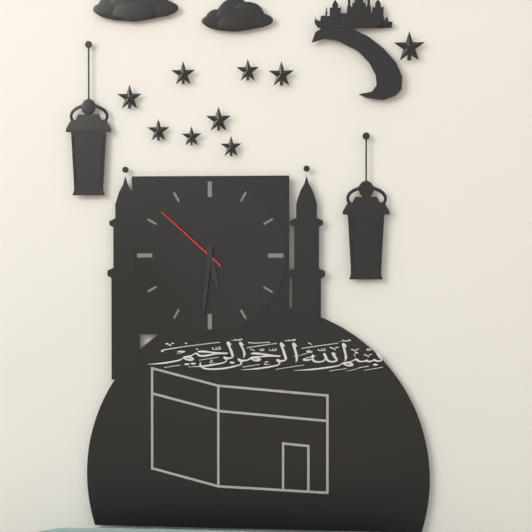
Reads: h=5 m=31 s=52
